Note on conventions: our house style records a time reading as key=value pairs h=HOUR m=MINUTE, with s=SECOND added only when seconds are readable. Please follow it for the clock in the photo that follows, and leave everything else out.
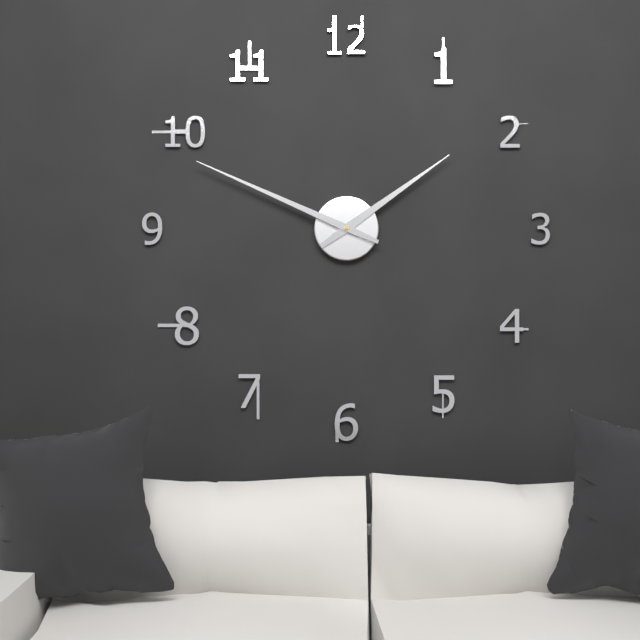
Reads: h=1 m=49
